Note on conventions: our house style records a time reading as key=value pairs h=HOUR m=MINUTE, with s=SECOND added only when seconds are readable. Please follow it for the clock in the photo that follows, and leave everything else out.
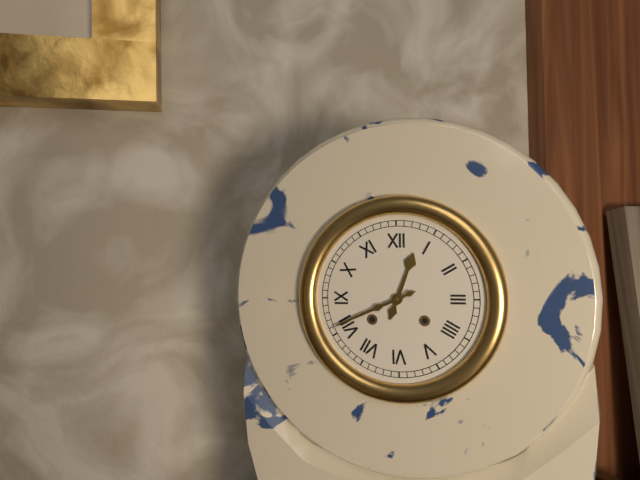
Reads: h=12 m=41
